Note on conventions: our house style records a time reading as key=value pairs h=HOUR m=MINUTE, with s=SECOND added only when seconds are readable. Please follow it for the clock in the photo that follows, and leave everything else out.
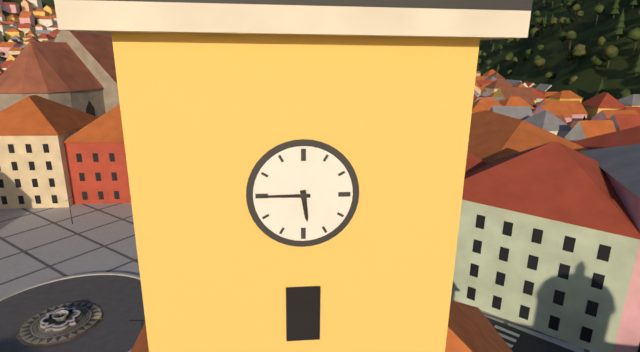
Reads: h=5 m=45
